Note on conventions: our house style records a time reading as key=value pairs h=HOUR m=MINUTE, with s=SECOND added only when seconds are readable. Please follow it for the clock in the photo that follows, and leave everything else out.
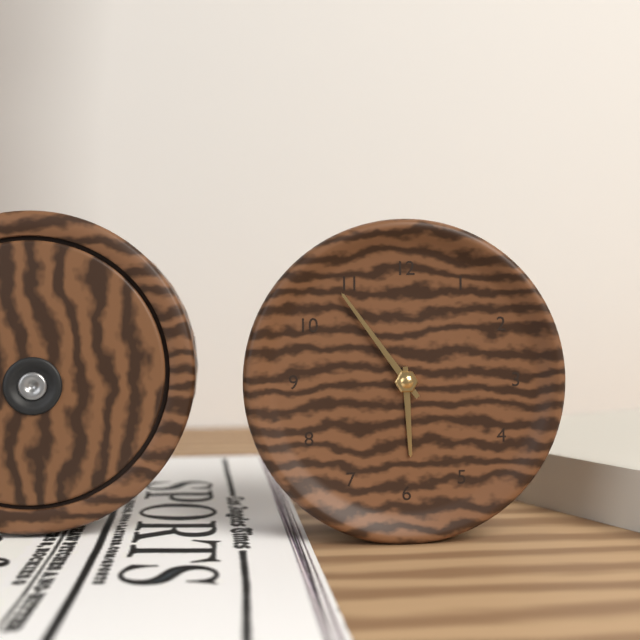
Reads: h=5 m=54
